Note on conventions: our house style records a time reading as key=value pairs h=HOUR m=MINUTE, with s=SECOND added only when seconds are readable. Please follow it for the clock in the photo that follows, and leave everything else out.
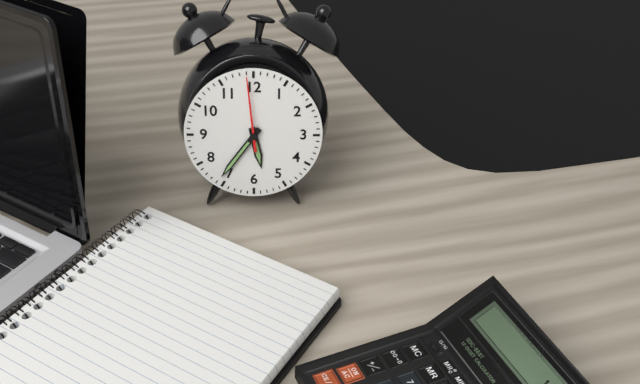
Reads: h=5 m=36 s=59
